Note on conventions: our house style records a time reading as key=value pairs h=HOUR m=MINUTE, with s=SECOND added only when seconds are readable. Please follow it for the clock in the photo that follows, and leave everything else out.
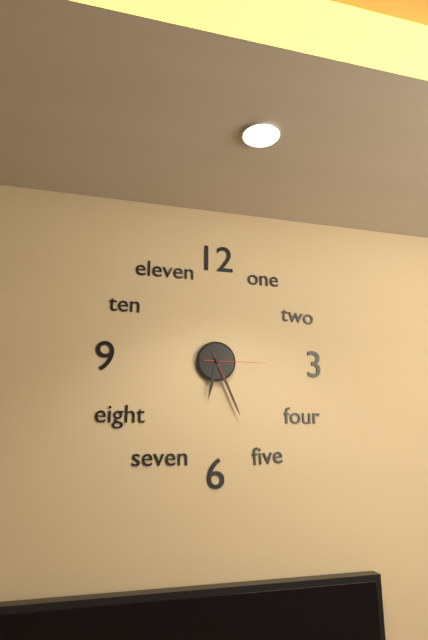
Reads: h=6 m=26 s=15
